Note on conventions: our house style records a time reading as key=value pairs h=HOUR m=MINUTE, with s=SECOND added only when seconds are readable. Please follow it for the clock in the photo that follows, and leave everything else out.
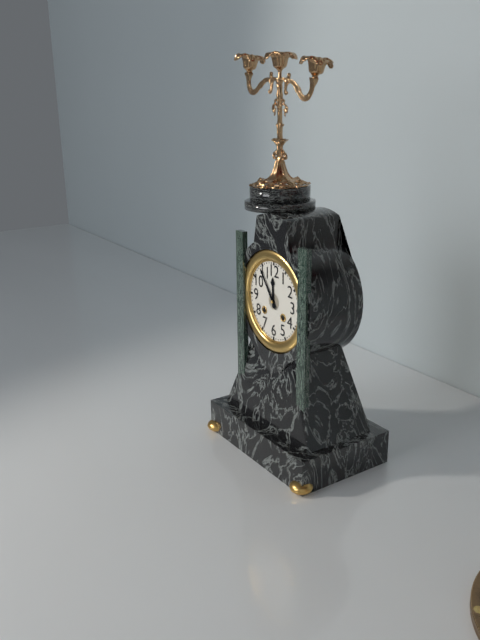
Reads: h=11 m=54
